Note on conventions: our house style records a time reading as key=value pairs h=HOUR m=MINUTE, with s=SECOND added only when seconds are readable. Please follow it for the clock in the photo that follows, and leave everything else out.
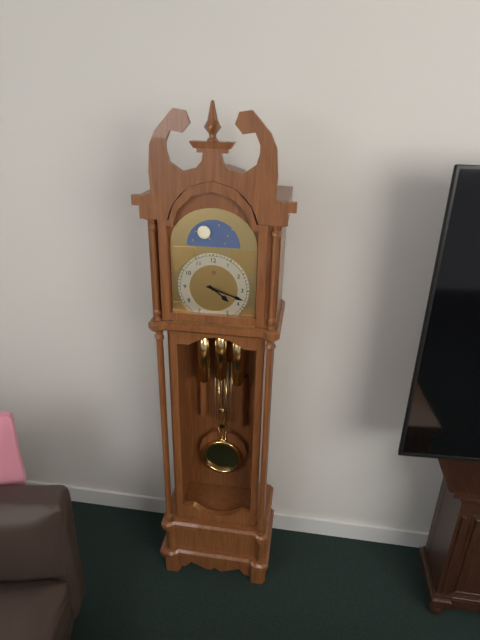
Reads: h=4 m=18
